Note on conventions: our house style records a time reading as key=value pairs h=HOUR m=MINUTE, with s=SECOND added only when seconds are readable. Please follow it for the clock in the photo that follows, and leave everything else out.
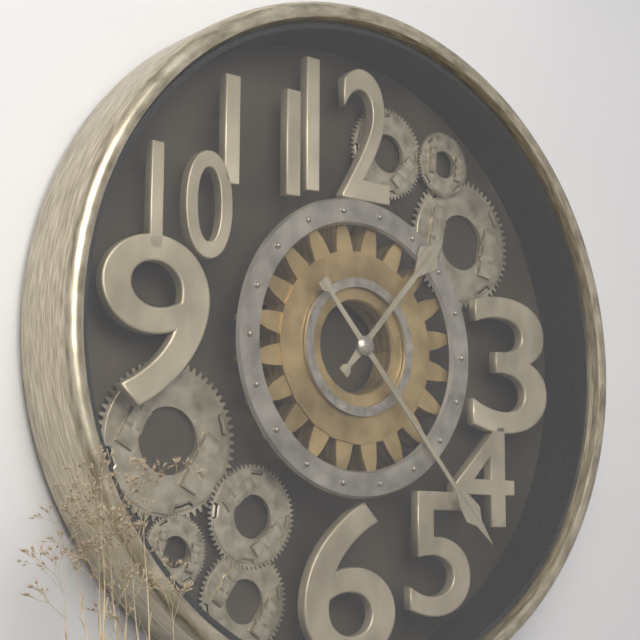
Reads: h=1 m=23
